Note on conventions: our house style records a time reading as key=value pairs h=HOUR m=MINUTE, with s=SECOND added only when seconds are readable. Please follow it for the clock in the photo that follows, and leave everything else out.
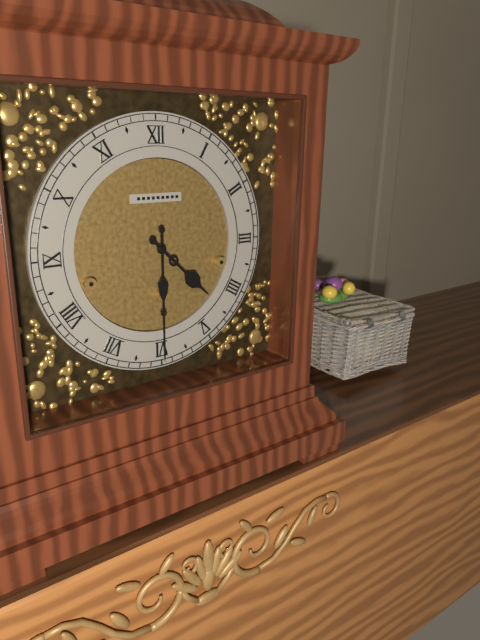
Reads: h=4 m=30
